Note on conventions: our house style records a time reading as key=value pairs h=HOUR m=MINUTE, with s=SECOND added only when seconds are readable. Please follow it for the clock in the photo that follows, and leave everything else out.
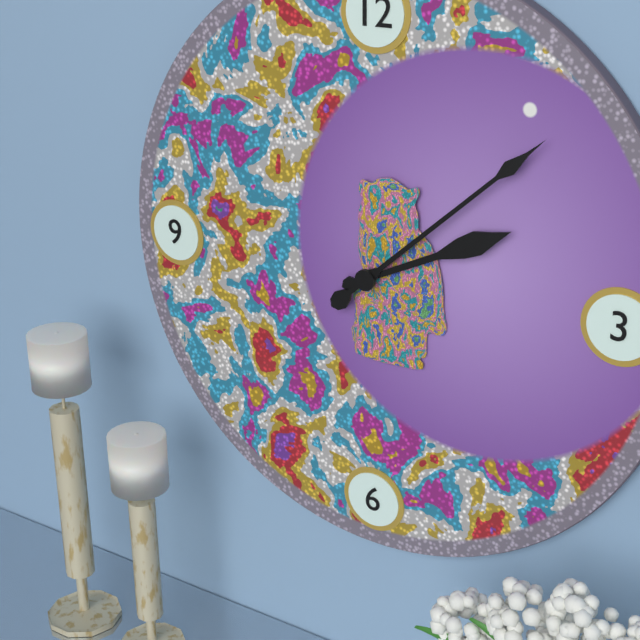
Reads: h=2 m=8
